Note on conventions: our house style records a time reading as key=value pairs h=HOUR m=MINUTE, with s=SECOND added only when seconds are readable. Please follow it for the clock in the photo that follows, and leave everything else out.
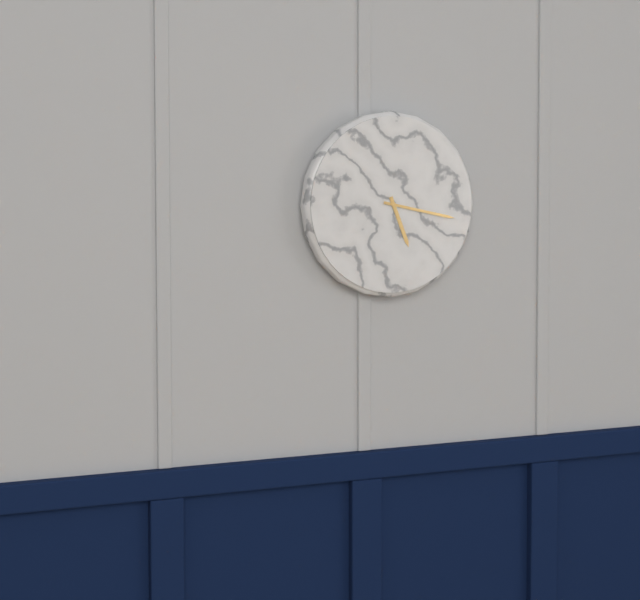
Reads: h=5 m=17
